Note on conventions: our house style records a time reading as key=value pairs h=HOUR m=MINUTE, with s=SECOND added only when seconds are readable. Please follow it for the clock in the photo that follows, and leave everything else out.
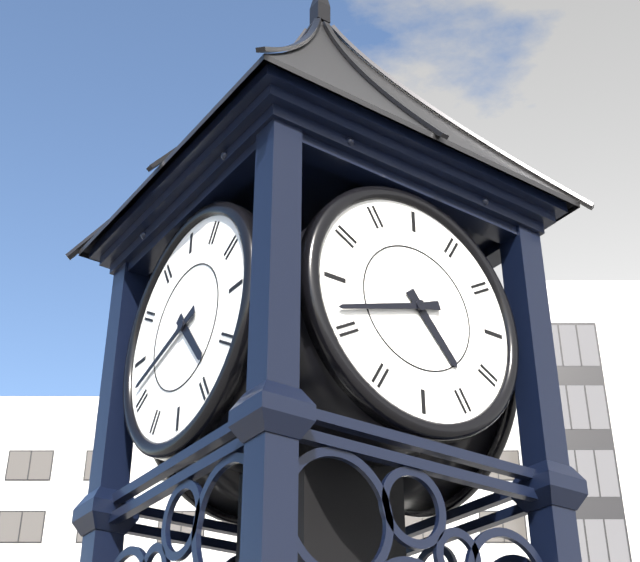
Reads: h=4 m=42
